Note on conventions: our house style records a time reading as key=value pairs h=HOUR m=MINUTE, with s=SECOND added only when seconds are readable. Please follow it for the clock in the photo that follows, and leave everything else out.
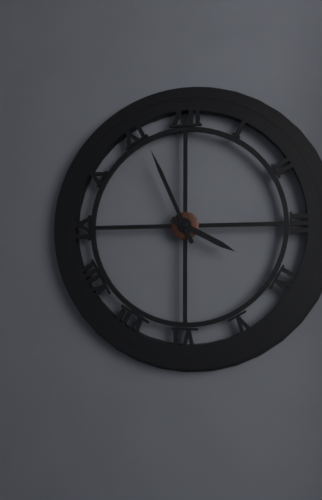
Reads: h=3 m=56
